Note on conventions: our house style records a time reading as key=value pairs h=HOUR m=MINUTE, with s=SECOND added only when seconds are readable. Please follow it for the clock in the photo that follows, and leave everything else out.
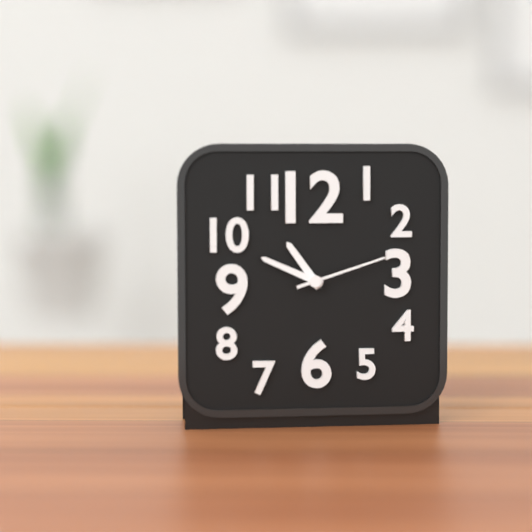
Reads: h=10 m=49 s=12
